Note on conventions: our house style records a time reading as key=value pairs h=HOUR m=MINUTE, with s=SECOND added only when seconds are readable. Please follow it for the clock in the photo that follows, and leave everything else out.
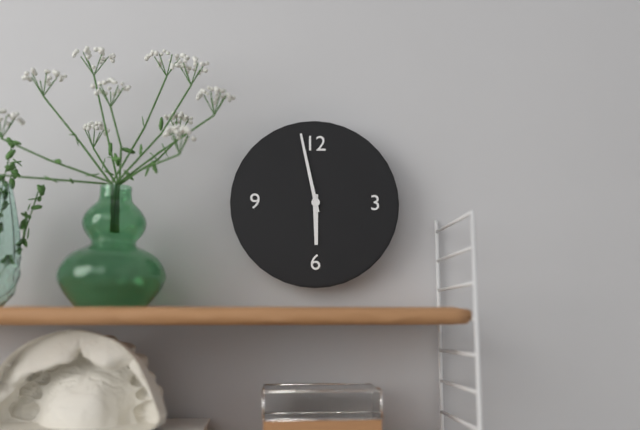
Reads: h=5 m=58
